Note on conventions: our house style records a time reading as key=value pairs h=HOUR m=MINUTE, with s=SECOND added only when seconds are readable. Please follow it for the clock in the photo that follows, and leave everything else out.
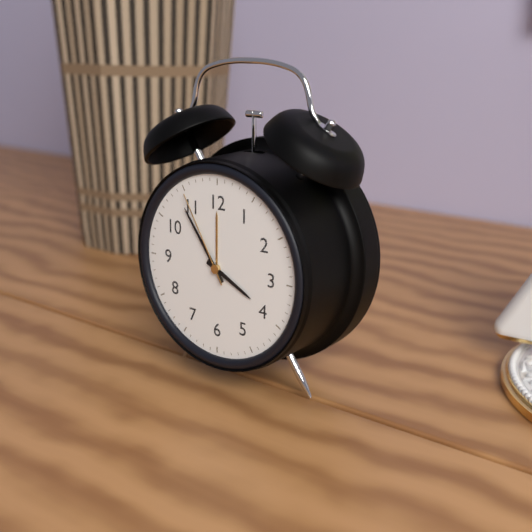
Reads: h=3 m=54 s=55
